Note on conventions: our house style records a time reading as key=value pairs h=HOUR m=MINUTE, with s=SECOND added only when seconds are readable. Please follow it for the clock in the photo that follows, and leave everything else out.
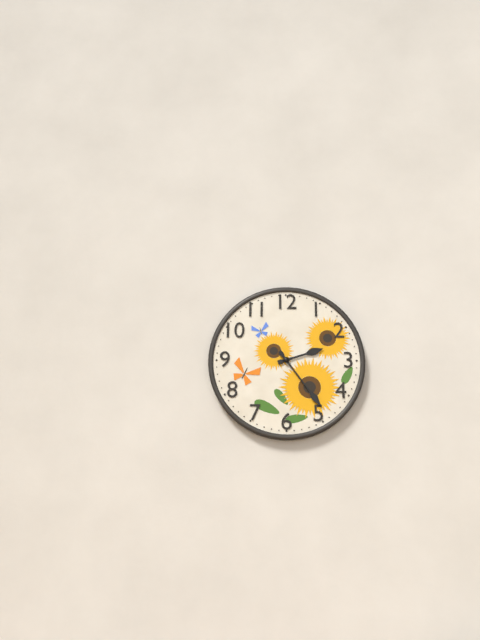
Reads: h=2 m=24
